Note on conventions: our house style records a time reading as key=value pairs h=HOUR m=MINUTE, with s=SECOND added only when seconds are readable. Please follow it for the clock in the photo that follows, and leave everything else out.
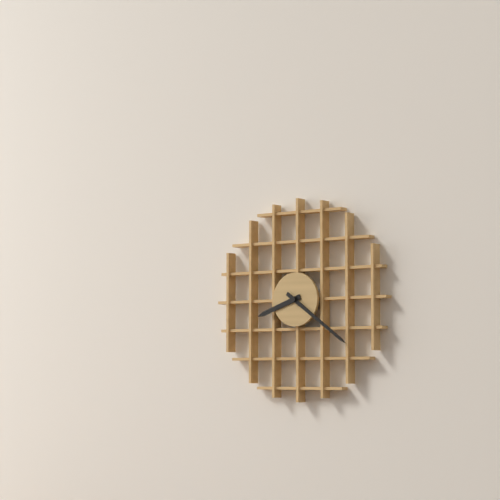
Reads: h=8 m=21
